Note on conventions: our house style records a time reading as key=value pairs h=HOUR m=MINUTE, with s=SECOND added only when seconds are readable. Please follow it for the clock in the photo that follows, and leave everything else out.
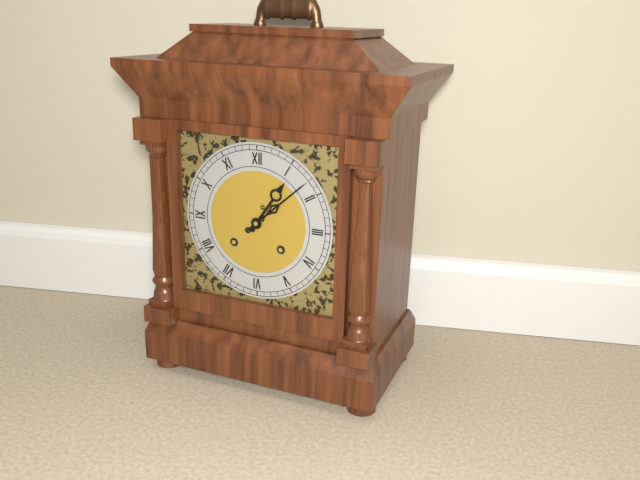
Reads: h=1 m=8
